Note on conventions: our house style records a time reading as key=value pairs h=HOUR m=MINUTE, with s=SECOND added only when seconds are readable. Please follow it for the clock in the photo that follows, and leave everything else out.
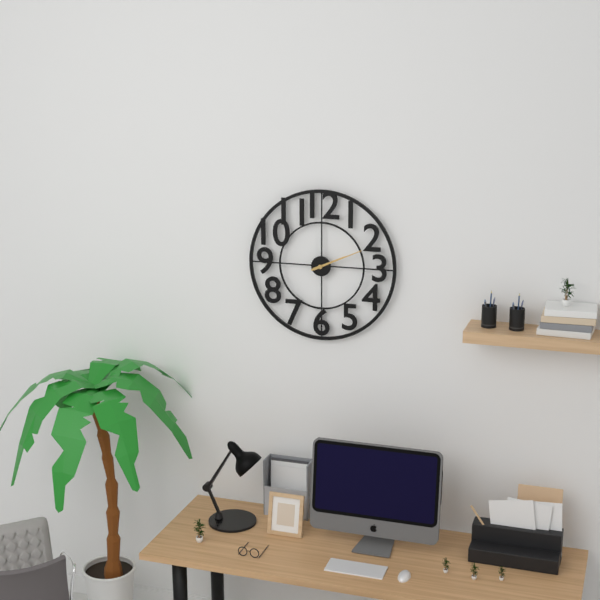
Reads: h=2 m=11
